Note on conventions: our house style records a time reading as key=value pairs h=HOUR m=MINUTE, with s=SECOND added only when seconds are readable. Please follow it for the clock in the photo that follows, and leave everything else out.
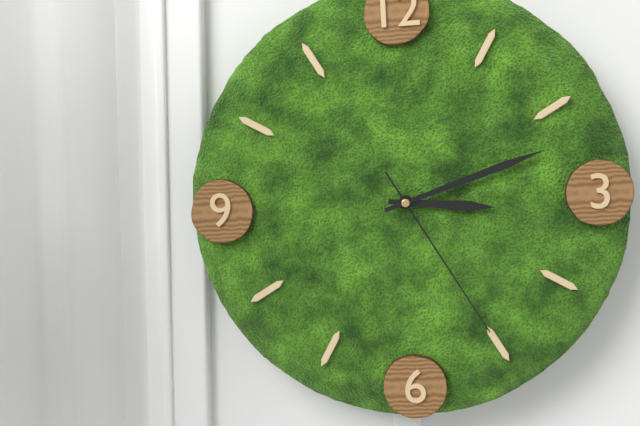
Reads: h=3 m=12 s=25
